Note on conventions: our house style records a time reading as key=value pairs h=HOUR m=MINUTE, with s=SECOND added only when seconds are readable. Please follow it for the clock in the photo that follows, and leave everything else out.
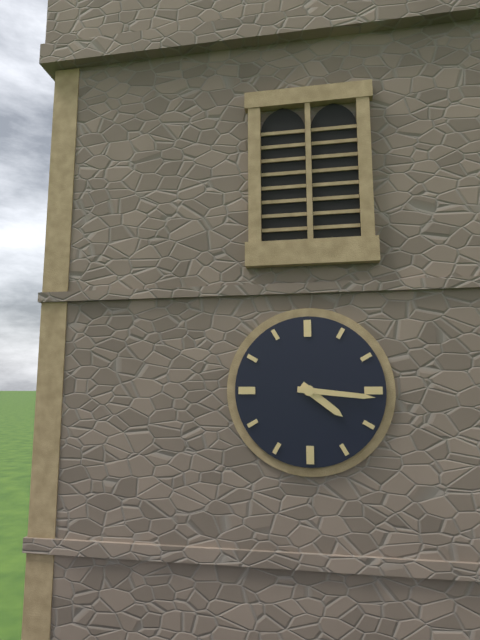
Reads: h=4 m=16
